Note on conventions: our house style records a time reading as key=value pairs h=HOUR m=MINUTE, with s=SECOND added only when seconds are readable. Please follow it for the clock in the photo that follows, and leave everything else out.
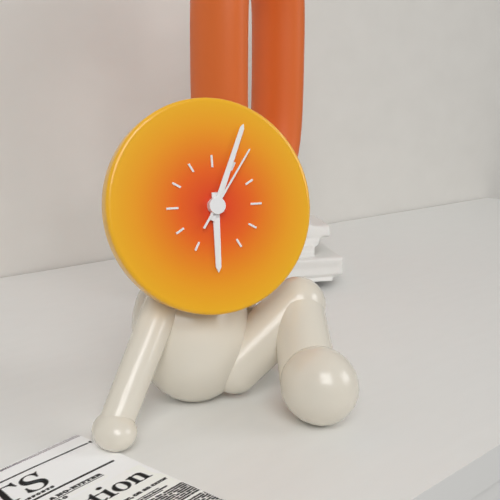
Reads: h=6 m=4 s=6
